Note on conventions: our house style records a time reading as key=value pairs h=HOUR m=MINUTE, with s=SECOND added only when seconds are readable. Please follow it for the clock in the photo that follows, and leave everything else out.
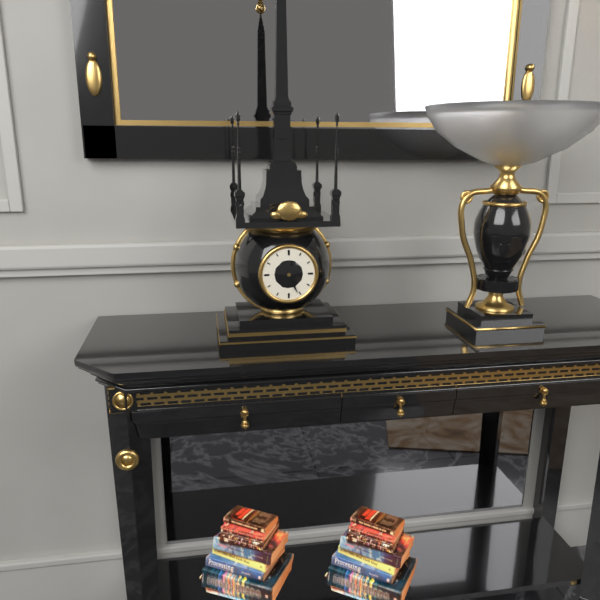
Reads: h=12 m=26
